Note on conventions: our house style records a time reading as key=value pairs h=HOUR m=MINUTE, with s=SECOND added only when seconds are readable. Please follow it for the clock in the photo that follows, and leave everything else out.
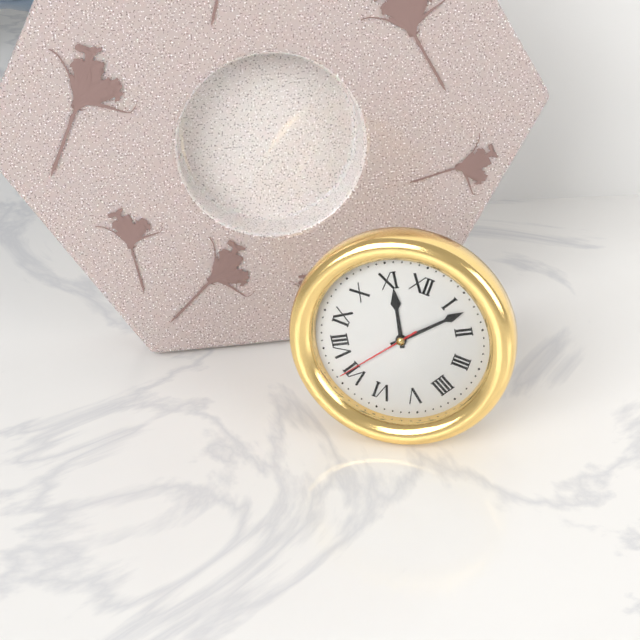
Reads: h=11 m=7 s=36
